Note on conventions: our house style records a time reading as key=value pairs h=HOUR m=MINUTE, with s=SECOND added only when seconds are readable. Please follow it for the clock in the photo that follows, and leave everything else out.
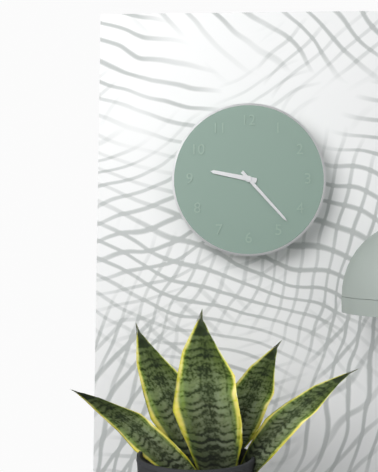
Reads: h=9 m=23
